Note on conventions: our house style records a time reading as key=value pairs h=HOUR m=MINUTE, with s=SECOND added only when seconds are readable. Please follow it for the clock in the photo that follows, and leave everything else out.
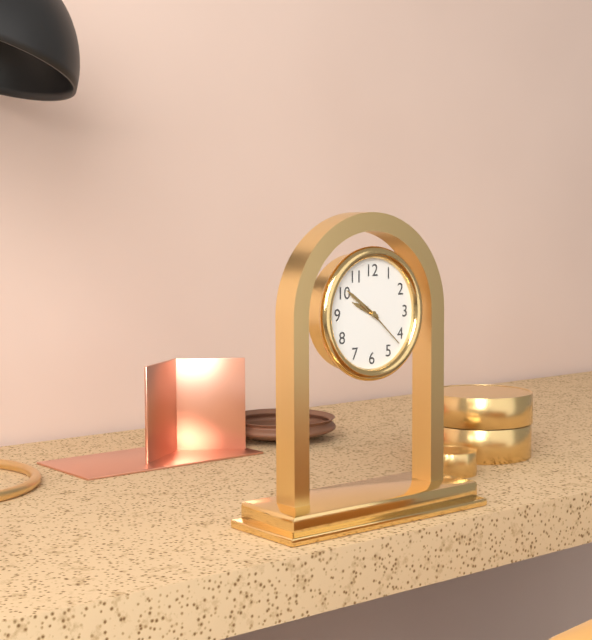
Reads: h=9 m=51 s=22
